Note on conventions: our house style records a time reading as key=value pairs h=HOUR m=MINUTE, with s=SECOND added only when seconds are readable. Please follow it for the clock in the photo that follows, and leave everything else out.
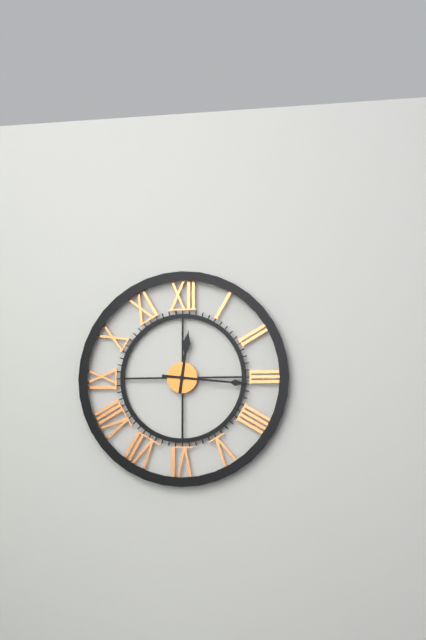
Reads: h=12 m=16
